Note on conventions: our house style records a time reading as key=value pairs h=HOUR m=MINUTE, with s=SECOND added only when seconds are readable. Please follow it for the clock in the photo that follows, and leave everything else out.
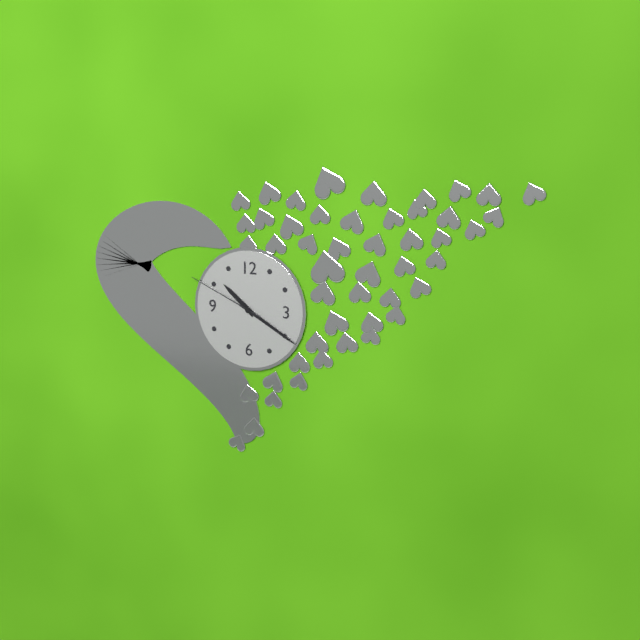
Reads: h=10 m=20 s=49
